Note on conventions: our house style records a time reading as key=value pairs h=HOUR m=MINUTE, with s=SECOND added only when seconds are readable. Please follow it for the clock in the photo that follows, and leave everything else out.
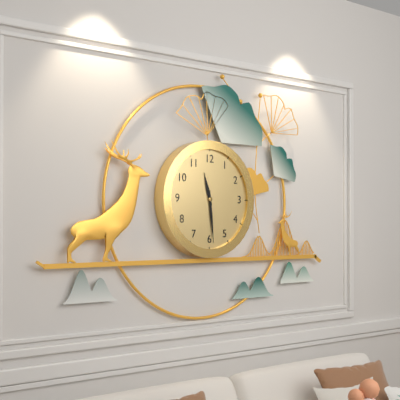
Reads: h=11 m=29
